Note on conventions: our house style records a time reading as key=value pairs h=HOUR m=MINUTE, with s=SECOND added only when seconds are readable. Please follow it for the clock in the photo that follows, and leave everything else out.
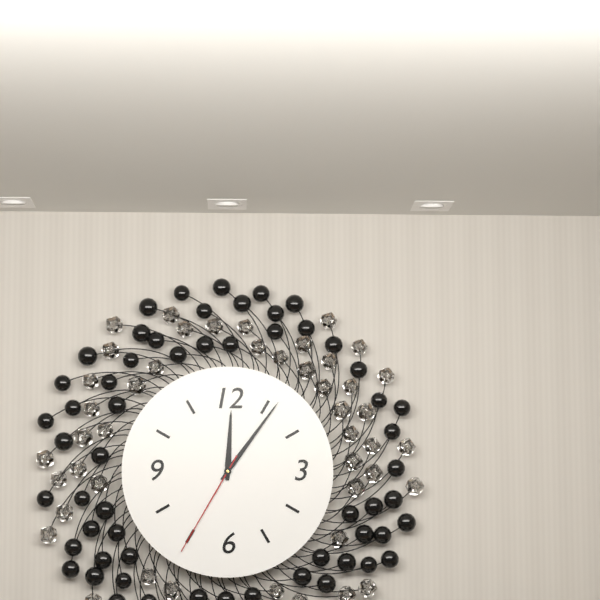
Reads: h=12 m=6 s=35
